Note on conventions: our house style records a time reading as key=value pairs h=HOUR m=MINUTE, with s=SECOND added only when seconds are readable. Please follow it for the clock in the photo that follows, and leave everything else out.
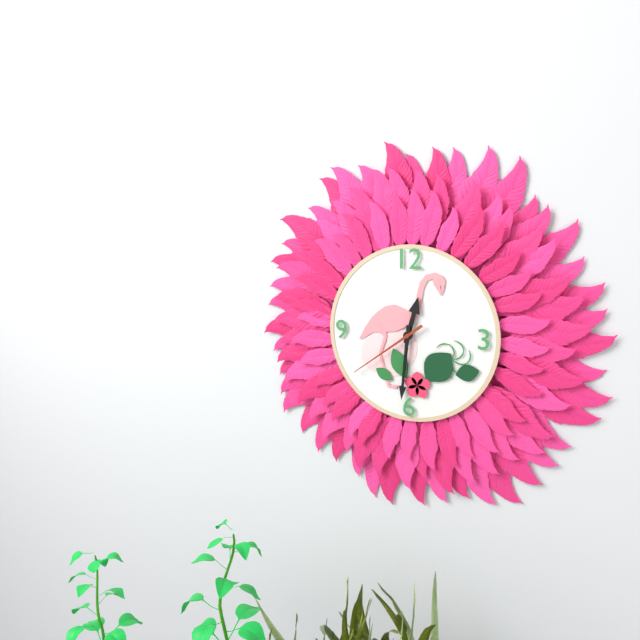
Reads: h=12 m=31 s=39
